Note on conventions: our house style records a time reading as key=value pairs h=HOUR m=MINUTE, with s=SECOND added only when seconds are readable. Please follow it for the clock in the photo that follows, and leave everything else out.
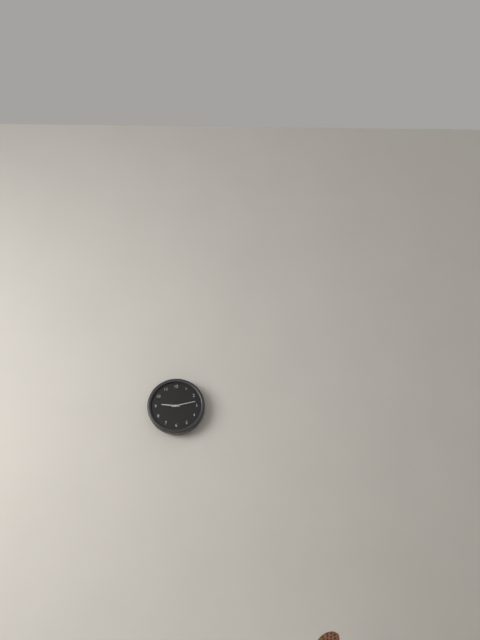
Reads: h=9 m=13
